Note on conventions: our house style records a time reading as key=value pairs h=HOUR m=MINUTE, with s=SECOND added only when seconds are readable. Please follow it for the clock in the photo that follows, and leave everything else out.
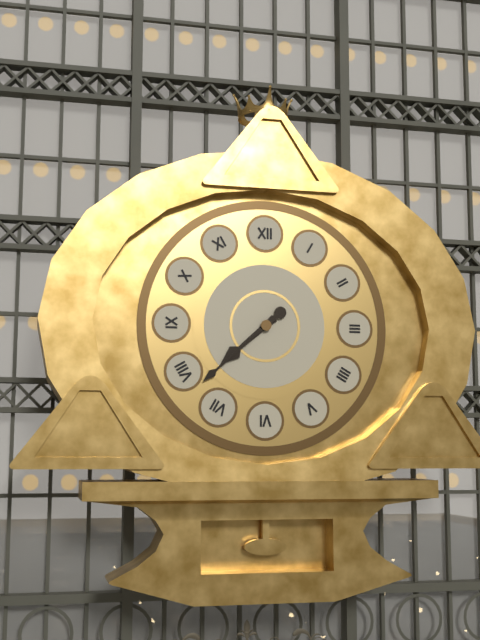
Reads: h=7 m=38
